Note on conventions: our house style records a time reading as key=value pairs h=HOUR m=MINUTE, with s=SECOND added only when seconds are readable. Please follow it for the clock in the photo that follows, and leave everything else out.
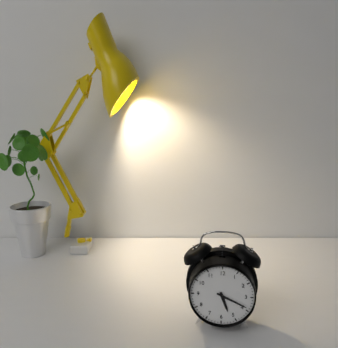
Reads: h=5 m=19
